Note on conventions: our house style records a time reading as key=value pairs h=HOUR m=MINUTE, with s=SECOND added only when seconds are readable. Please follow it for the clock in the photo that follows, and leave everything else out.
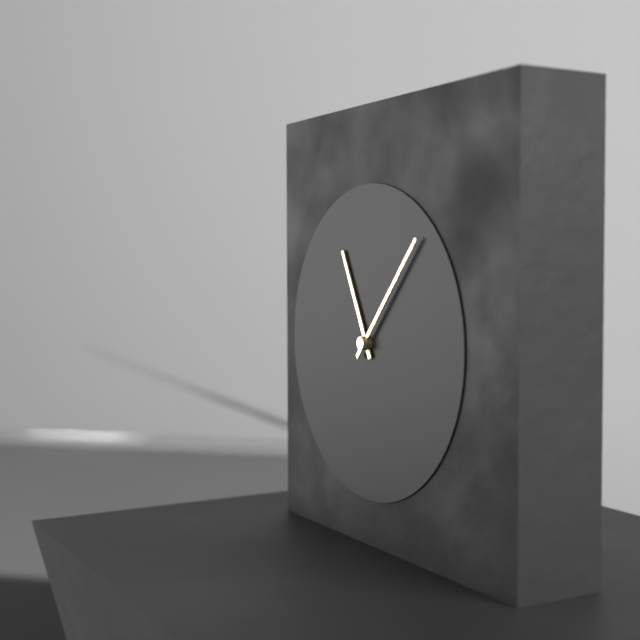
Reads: h=11 m=7
